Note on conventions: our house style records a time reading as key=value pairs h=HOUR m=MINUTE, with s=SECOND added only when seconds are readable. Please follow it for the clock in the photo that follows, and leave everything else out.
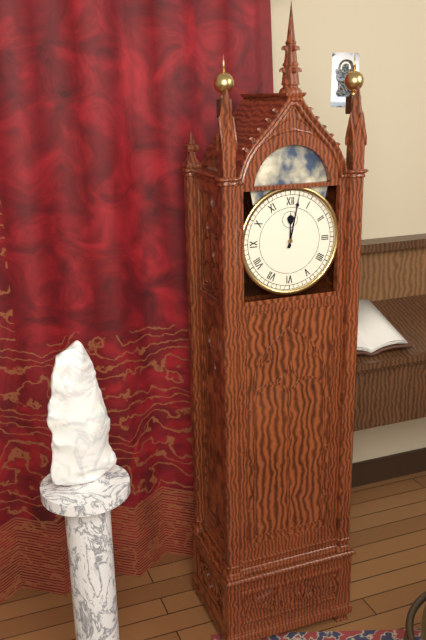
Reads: h=12 m=2
